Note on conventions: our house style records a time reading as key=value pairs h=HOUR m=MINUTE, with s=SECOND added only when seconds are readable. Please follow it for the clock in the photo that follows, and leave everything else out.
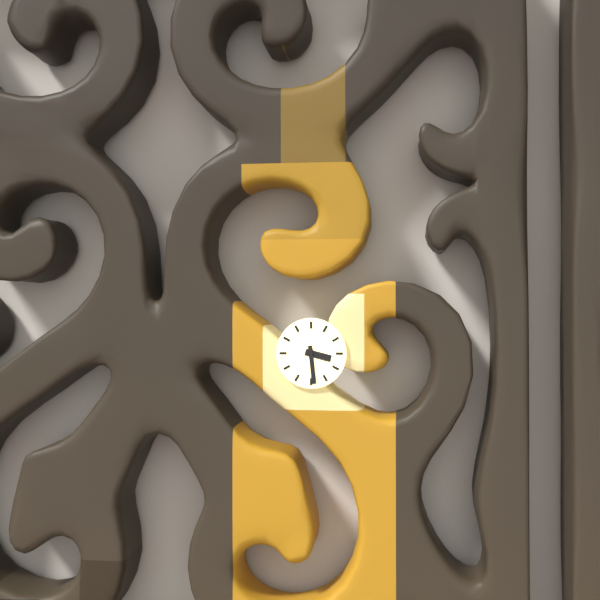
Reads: h=3 m=29
